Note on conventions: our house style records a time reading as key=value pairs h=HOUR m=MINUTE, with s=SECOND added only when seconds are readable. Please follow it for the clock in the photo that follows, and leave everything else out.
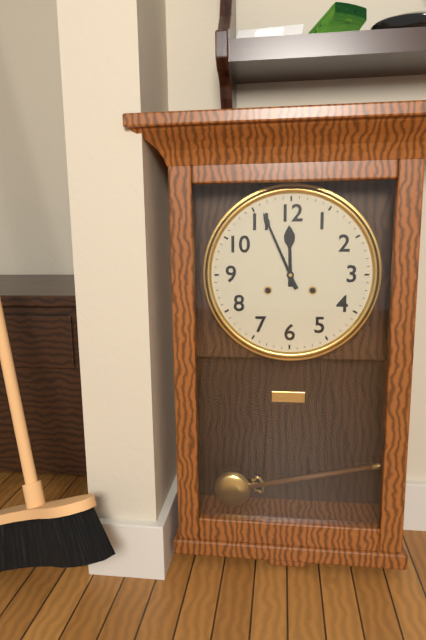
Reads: h=11 m=56
